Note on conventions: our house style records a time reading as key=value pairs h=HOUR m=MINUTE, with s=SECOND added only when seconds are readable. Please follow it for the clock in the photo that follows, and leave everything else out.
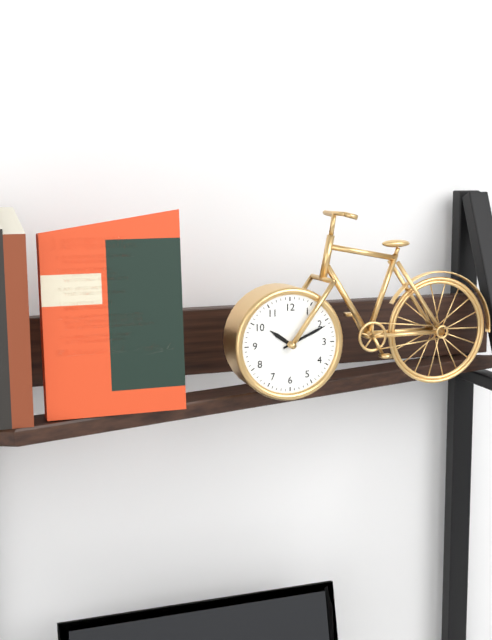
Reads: h=10 m=11
